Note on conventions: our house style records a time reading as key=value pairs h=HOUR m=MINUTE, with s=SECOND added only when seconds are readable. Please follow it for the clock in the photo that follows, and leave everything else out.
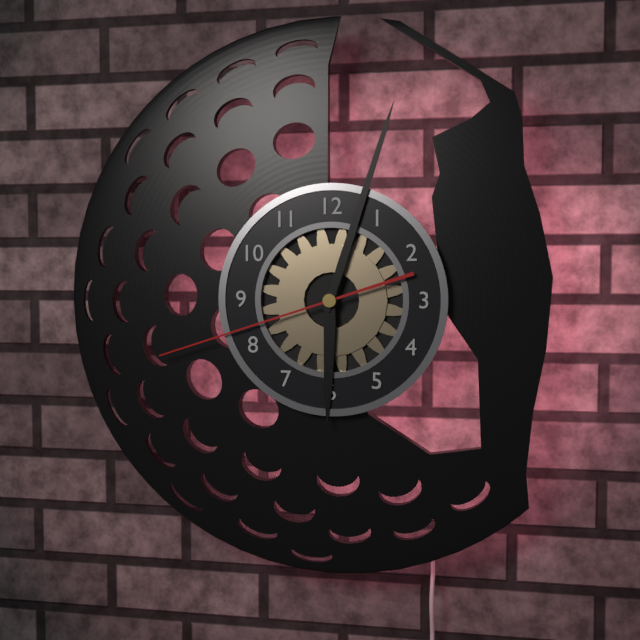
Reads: h=6 m=3 s=42
